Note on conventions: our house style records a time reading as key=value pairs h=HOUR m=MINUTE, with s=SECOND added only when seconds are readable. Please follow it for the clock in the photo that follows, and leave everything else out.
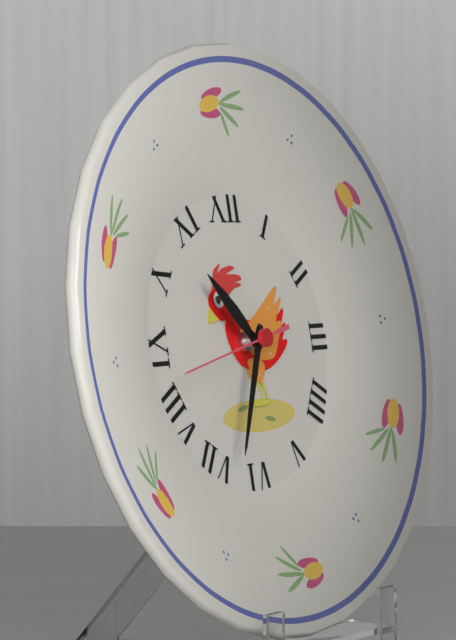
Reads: h=10 m=34 s=43
